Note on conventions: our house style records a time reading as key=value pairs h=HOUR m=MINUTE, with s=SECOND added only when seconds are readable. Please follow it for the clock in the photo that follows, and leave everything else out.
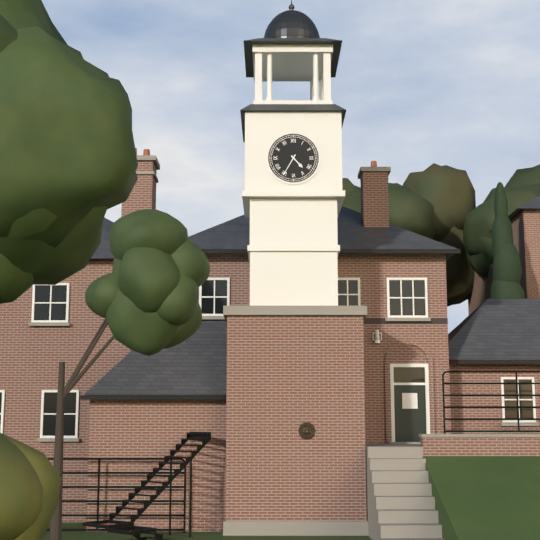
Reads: h=4 m=35
